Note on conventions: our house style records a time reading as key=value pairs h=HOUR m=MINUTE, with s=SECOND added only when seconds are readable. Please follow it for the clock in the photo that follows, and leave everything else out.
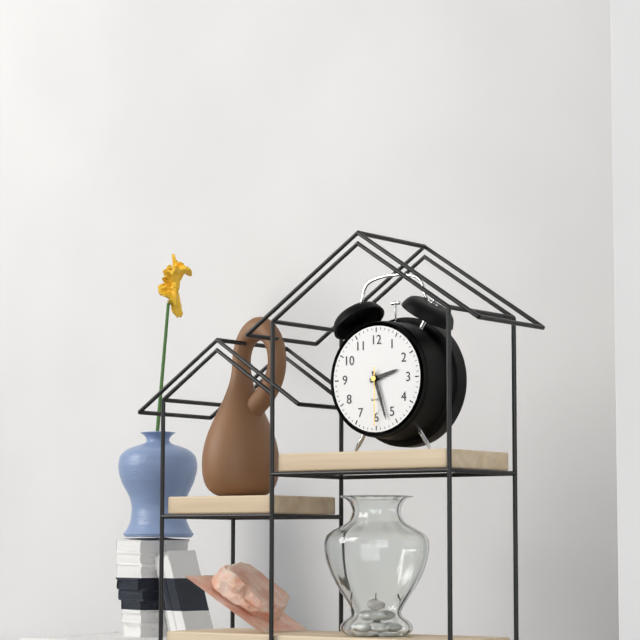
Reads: h=2 m=27 s=30
